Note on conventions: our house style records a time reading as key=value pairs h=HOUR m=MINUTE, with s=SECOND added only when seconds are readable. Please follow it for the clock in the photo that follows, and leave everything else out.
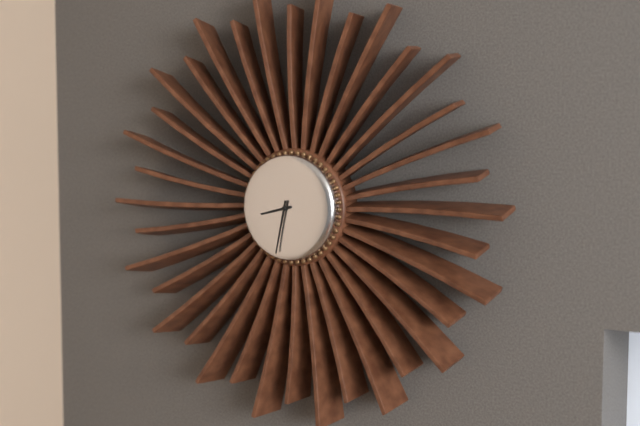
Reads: h=8 m=32
